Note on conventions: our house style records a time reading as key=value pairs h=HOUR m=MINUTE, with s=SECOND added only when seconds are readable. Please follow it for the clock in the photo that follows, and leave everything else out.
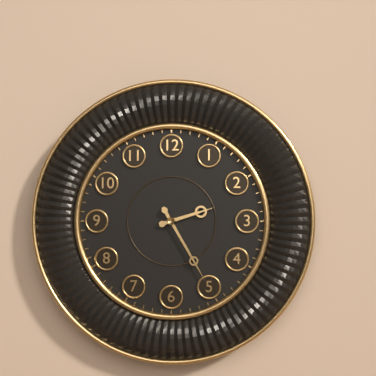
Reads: h=2 m=25
